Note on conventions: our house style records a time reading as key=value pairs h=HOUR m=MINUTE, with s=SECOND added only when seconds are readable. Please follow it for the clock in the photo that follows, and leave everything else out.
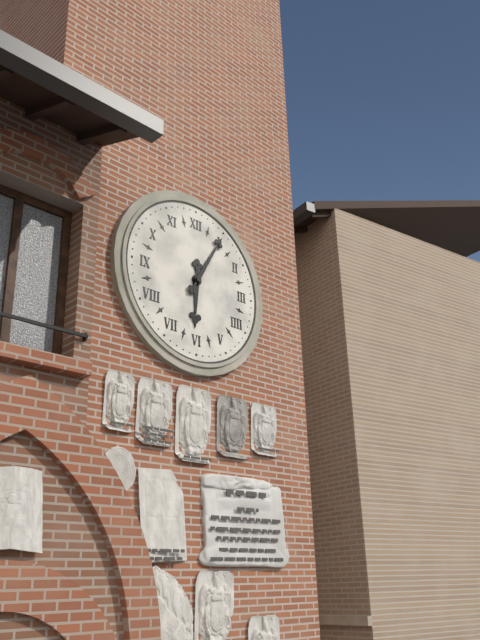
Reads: h=6 m=5
